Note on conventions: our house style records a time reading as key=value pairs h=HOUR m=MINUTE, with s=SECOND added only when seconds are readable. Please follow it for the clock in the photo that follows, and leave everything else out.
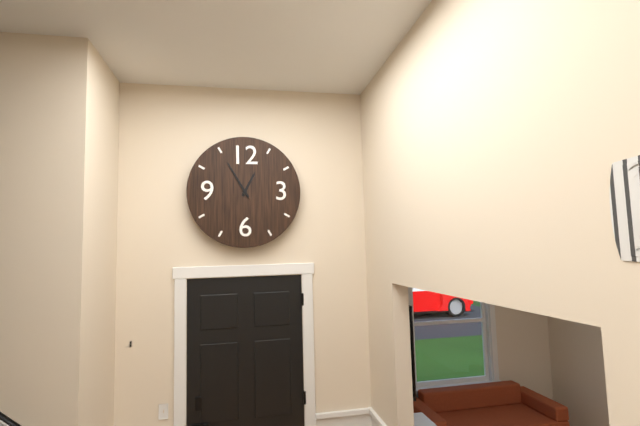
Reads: h=12 m=55
